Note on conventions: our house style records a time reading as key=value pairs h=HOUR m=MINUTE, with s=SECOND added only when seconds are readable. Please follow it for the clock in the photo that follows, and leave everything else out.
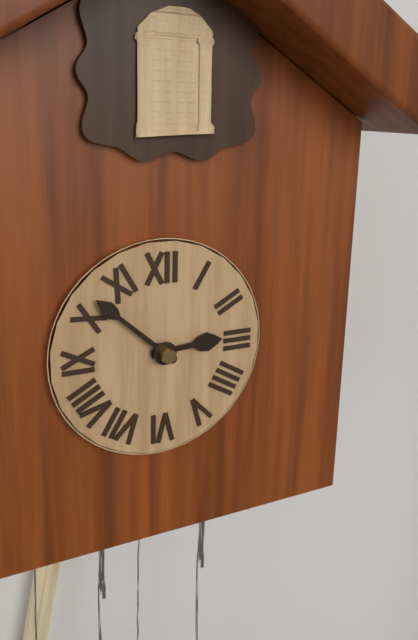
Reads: h=2 m=52
